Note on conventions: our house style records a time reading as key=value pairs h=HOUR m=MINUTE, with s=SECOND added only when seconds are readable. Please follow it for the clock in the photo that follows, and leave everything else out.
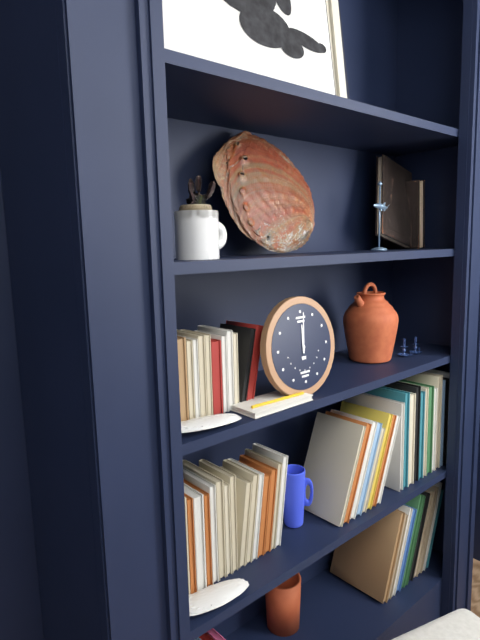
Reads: h=12 m=1
